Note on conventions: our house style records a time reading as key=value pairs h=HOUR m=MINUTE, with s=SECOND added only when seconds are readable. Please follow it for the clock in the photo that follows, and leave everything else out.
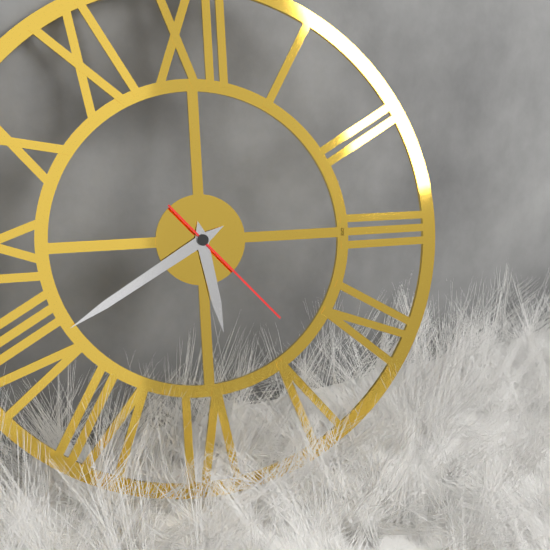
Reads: h=5 m=40 s=23
